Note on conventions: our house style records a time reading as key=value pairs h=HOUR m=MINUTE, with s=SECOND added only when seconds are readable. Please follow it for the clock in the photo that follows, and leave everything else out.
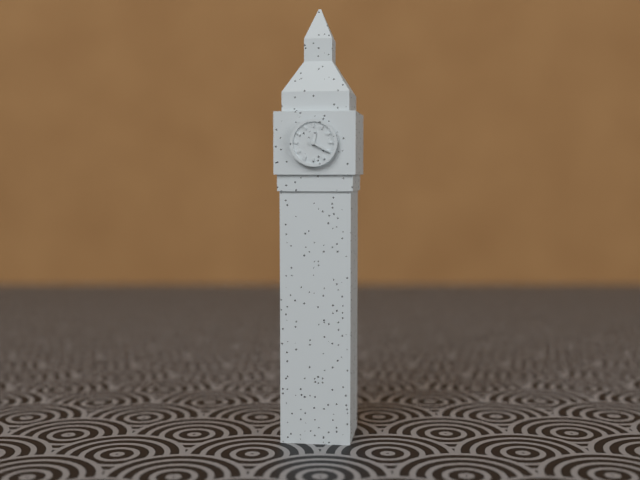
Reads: h=12 m=20
